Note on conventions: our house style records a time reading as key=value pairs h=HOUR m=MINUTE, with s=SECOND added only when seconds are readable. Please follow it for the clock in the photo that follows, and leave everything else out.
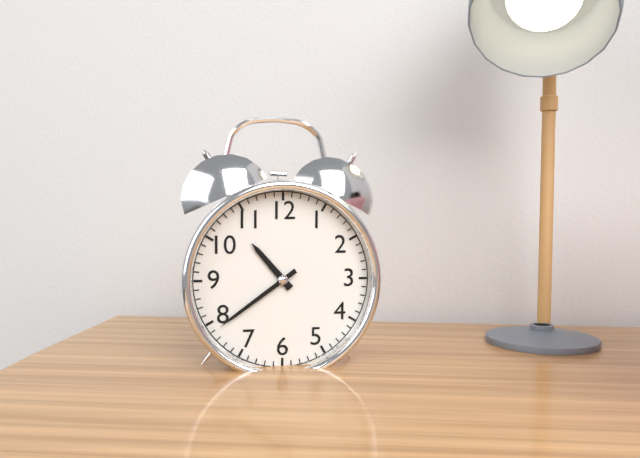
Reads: h=10 m=39
